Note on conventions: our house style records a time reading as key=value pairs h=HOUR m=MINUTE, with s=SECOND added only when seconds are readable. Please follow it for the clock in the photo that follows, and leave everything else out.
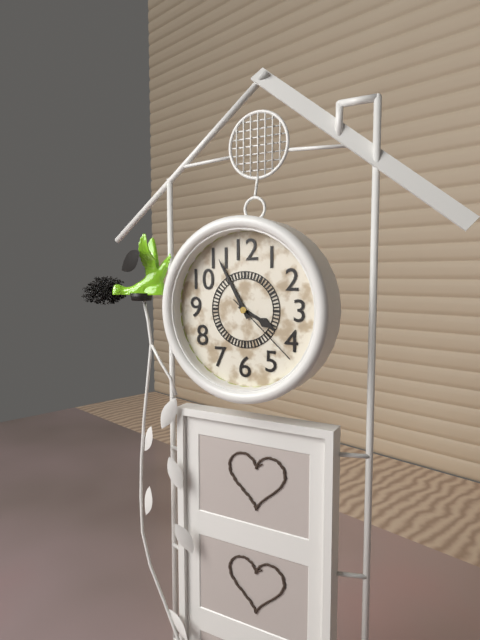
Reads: h=3 m=55 s=22
